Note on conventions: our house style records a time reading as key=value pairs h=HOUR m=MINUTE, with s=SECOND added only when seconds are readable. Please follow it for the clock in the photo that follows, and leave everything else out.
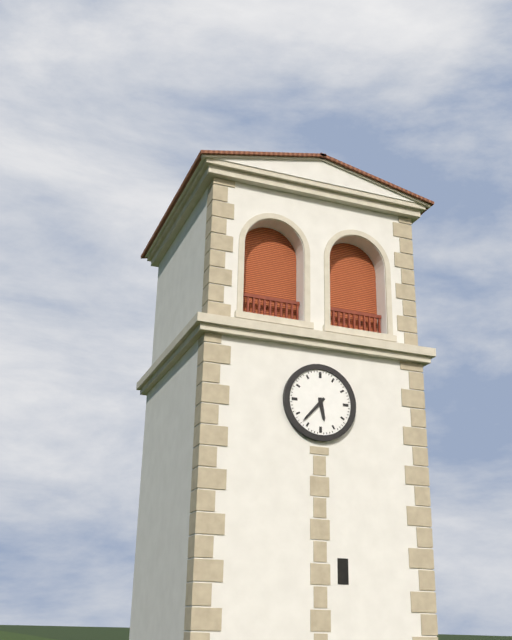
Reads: h=5 m=37
